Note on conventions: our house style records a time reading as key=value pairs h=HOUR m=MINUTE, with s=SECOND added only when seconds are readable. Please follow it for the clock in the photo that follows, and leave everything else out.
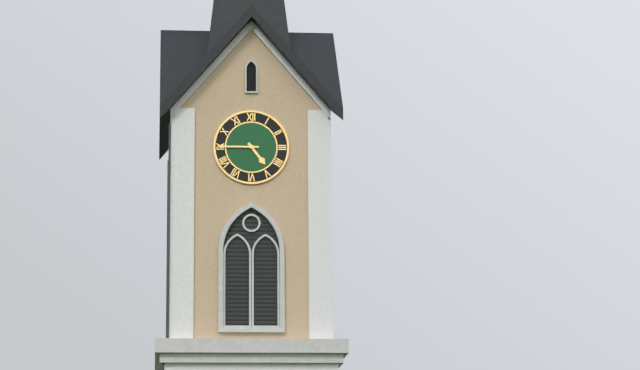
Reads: h=4 m=45
